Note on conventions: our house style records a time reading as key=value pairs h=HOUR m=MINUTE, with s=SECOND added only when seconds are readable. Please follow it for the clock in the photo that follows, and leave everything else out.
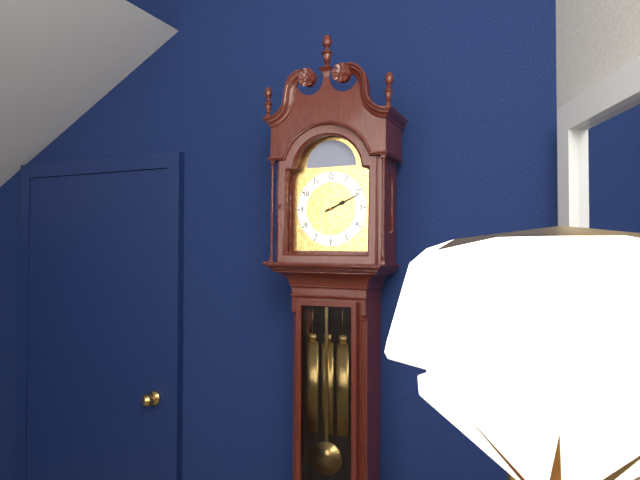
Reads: h=2 m=11
